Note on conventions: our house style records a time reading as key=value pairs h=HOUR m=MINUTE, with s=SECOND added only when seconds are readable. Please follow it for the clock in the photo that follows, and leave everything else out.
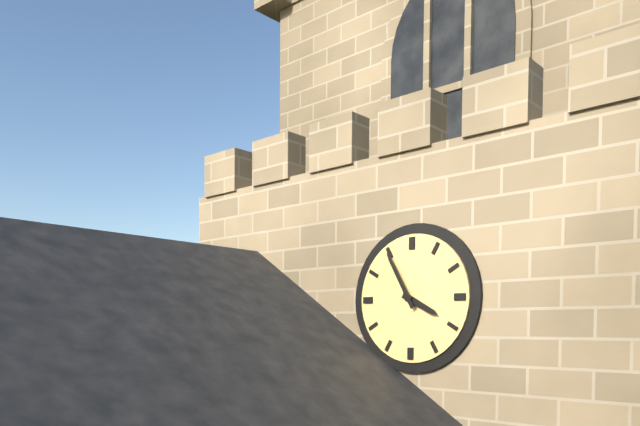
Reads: h=3 m=55
